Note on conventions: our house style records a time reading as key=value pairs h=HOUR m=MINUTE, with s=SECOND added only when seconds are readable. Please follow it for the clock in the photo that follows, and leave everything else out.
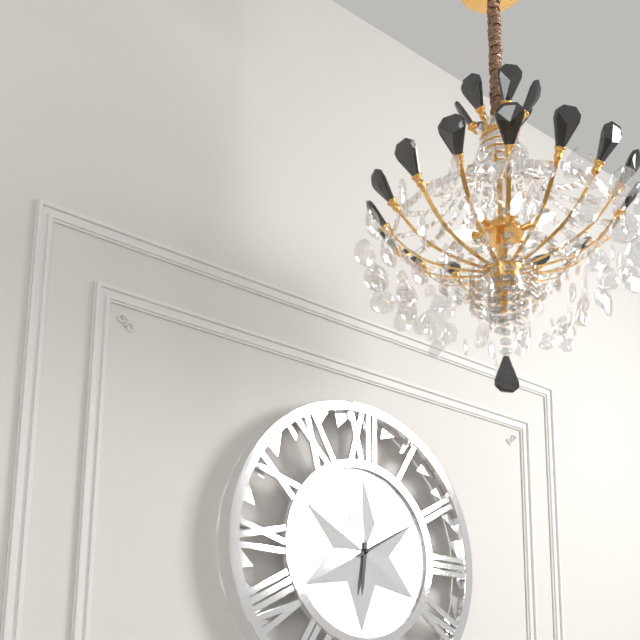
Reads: h=6 m=10
